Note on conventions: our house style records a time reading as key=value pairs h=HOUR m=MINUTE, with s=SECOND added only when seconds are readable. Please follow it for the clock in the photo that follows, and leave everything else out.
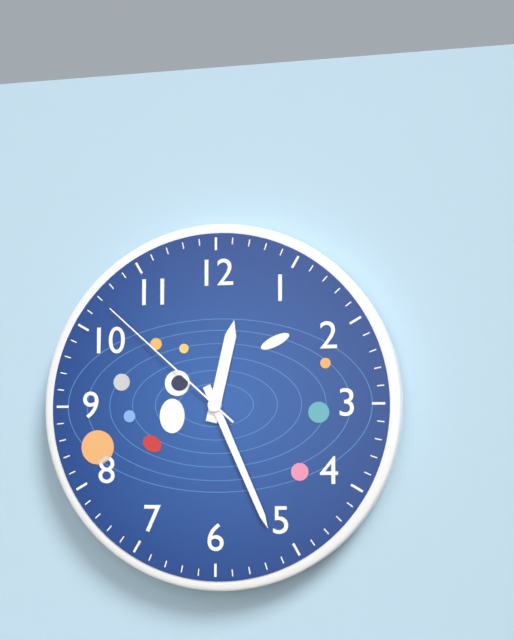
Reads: h=12 m=26 s=52
